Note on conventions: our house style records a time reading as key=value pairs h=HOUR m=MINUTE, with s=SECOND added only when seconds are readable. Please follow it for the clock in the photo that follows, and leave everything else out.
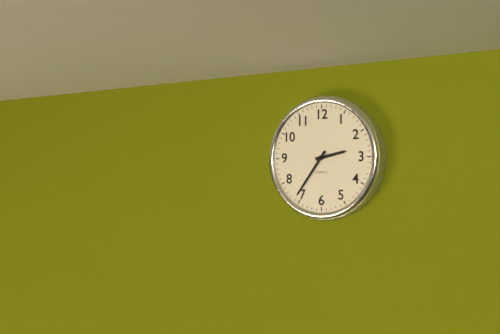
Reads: h=2 m=36
